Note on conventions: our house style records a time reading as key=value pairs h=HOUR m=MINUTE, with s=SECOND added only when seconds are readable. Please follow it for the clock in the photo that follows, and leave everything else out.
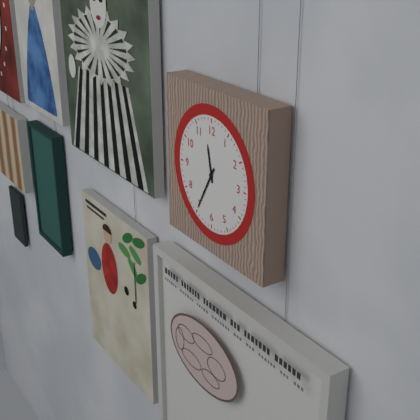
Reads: h=11 m=35
